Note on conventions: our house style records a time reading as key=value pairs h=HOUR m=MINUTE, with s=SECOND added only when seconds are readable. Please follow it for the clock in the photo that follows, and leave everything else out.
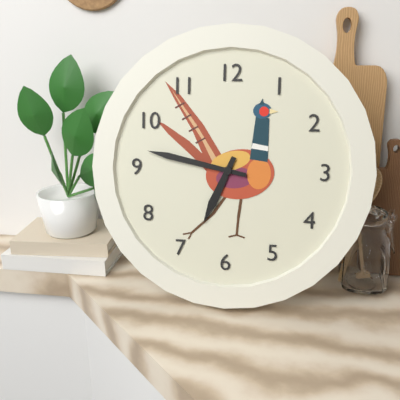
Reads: h=6 m=47
